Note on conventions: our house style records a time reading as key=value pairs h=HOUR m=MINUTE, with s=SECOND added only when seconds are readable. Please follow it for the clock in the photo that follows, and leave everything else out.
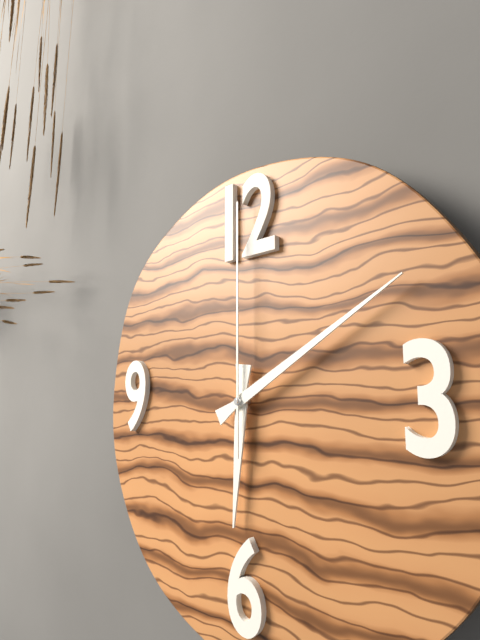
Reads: h=6 m=10 s=0
